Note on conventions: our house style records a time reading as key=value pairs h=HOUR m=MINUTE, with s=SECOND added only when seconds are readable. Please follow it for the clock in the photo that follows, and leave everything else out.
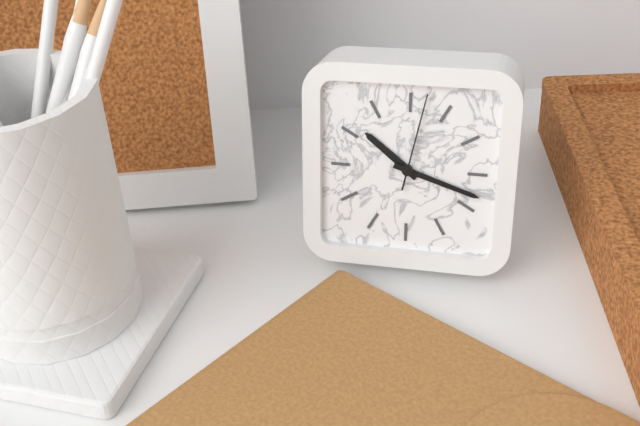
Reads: h=10 m=18 s=2
